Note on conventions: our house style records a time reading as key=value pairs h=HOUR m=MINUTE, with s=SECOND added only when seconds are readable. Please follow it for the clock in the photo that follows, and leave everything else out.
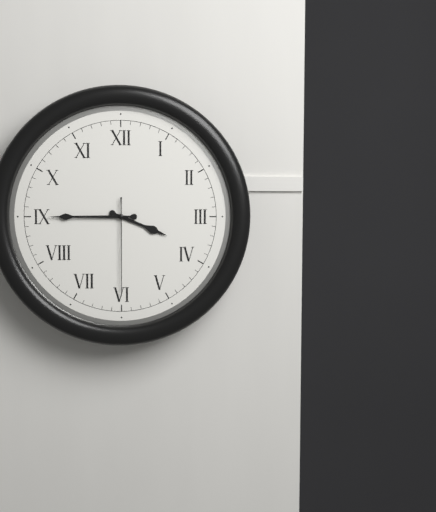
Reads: h=3 m=45 s=30
